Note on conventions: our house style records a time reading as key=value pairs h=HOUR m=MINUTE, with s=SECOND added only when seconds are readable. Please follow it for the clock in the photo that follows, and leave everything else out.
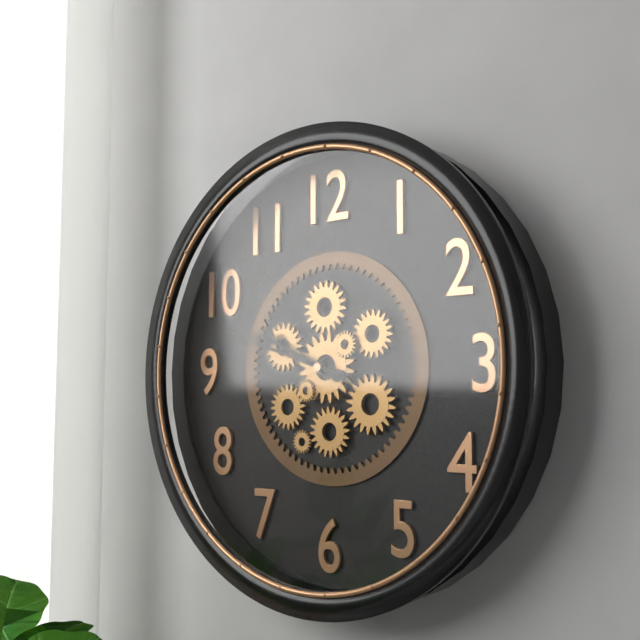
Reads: h=9 m=48
